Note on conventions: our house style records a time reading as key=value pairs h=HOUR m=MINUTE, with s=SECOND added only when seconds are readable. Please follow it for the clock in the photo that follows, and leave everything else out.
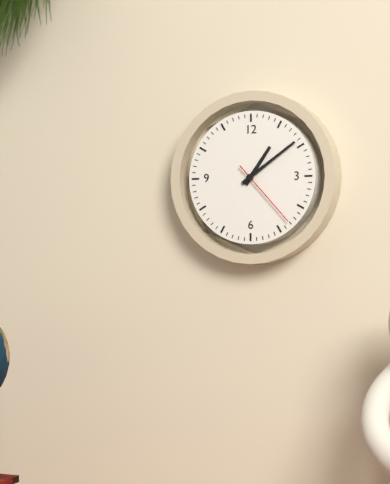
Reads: h=1 m=9 s=23
